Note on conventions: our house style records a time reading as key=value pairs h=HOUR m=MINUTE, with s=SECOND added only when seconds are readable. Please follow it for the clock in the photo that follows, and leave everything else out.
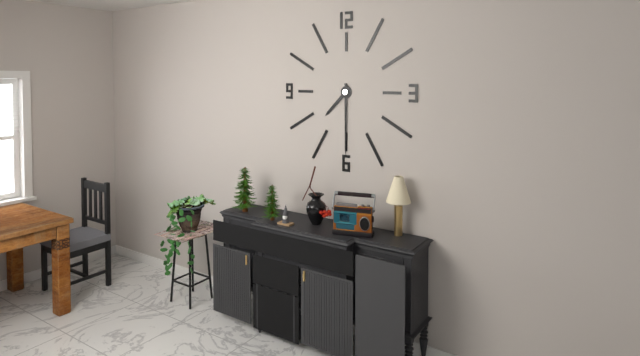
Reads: h=7 m=30
